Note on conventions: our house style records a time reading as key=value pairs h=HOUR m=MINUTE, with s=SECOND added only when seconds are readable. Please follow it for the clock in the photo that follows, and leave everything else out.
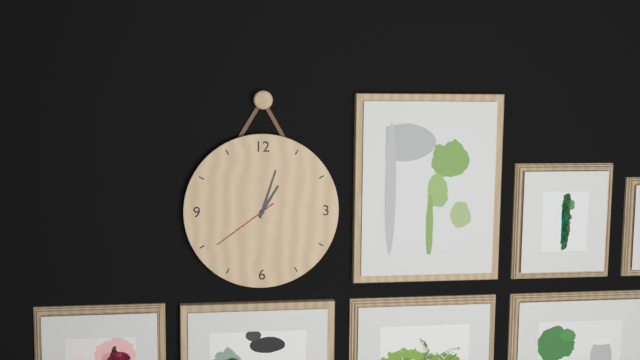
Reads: h=1 m=3 s=39
